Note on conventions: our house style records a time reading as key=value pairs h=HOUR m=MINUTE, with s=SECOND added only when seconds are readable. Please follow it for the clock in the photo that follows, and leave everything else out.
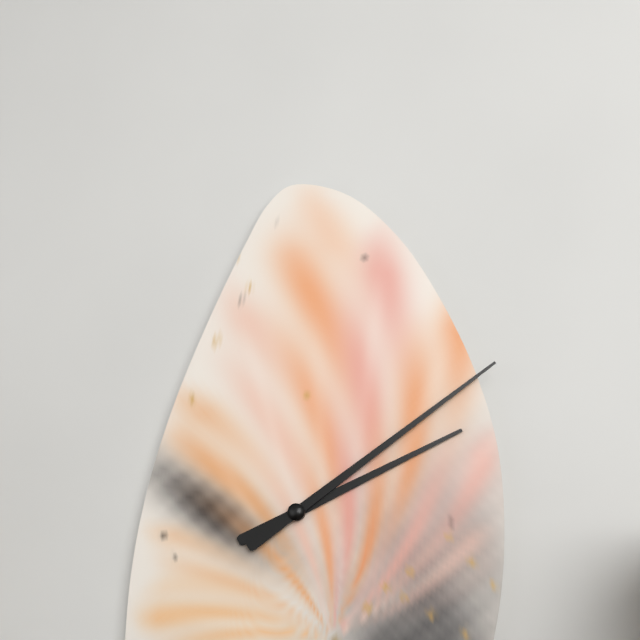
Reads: h=2 m=9
